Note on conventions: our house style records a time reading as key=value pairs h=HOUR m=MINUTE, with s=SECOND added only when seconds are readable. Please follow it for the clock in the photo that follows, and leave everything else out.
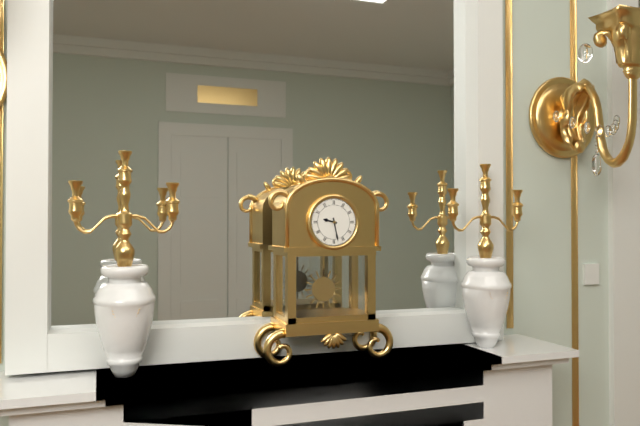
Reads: h=9 m=28
